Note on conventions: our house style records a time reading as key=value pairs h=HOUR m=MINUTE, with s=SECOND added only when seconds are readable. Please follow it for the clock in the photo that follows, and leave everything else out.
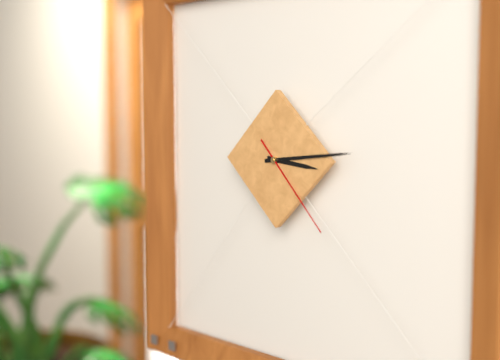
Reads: h=3 m=14 s=23
